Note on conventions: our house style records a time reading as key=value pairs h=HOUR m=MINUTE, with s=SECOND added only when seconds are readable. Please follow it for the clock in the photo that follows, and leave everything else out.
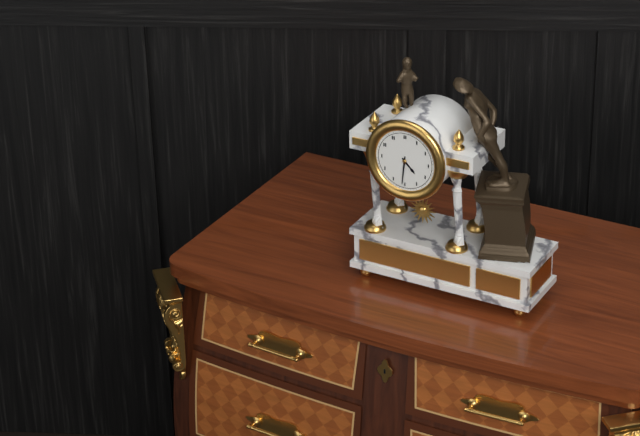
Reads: h=4 m=31
